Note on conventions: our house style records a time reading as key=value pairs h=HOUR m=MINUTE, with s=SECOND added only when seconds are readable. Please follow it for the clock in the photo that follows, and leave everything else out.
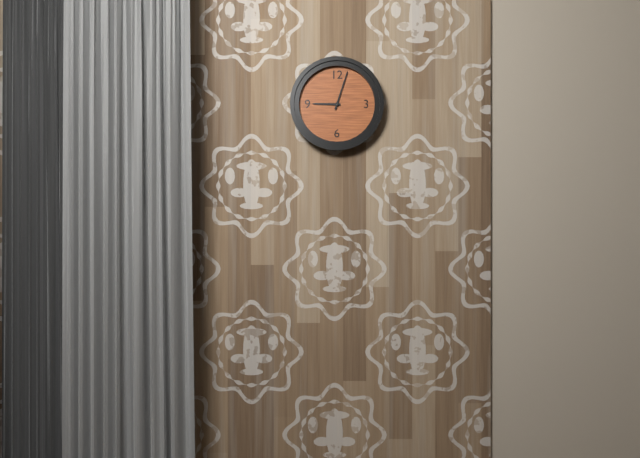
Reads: h=9 m=3
